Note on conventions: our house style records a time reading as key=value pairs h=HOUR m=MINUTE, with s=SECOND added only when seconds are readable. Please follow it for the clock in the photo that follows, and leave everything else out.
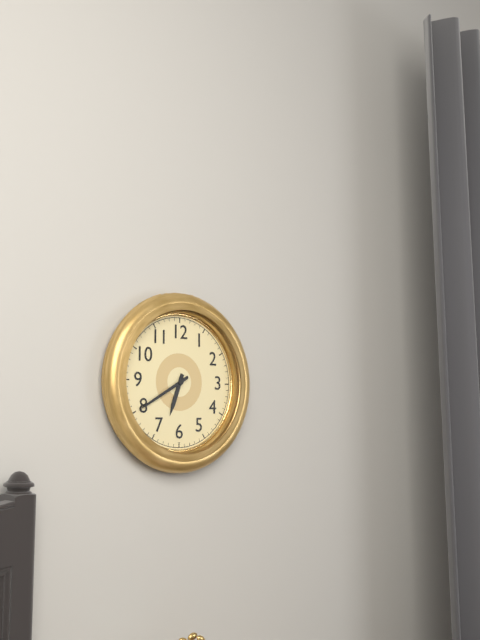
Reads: h=6 m=40
